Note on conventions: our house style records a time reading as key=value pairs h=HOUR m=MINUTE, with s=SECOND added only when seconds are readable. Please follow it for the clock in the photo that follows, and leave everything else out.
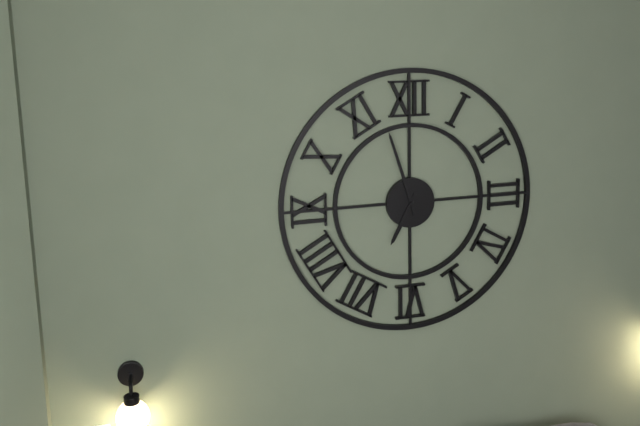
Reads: h=6 m=57
